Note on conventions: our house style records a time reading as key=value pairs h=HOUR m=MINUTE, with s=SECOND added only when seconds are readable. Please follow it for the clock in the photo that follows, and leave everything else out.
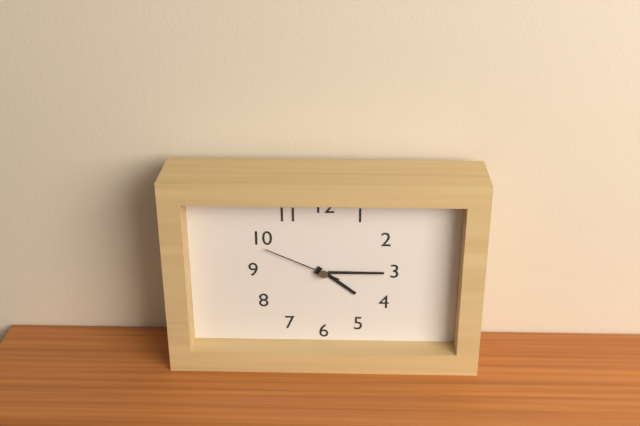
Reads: h=4 m=15 s=49
